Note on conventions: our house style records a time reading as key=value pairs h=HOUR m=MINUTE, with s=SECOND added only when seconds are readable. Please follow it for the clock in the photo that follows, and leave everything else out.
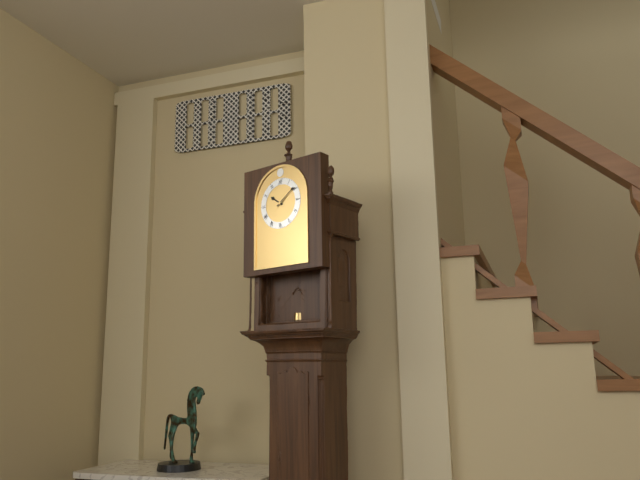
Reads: h=10 m=9
